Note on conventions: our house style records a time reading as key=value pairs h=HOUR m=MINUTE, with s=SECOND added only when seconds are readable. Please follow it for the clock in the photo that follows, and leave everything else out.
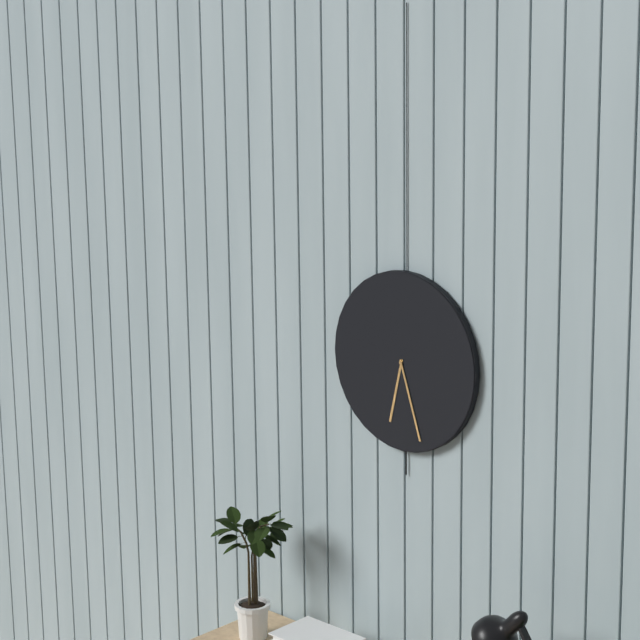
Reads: h=6 m=27
